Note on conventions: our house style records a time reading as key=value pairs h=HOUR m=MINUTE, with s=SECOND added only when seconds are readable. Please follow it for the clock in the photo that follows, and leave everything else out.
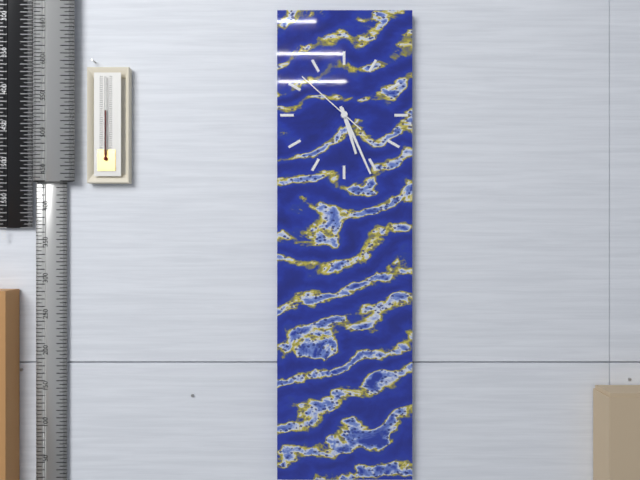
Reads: h=5 m=26 s=52
